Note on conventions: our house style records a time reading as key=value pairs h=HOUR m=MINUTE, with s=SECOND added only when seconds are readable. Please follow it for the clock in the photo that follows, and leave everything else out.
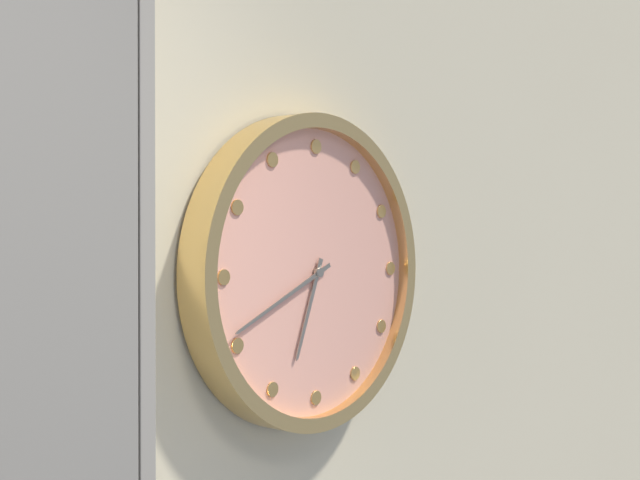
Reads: h=6 m=41
